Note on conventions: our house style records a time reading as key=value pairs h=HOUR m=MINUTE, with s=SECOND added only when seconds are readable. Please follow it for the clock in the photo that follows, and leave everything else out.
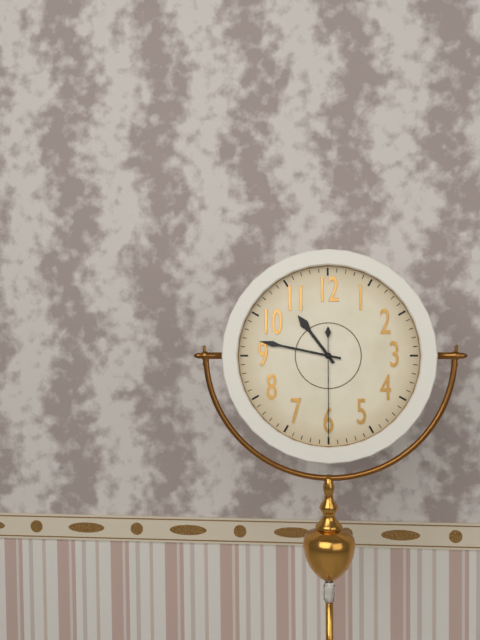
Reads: h=10 m=47 s=30
